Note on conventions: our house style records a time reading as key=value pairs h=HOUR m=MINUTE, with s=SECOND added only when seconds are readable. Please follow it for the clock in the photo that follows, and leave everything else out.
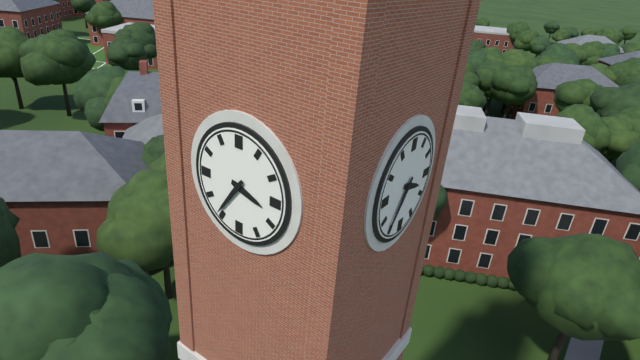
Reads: h=3 m=36
